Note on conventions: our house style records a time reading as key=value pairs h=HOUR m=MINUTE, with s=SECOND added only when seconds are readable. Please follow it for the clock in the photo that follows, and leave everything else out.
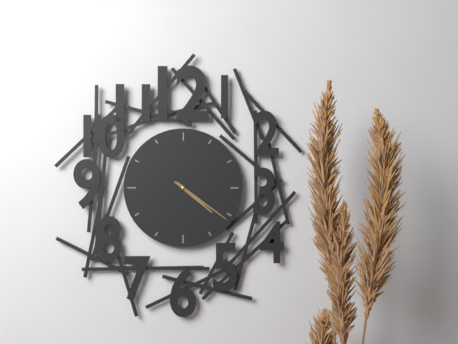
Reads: h=4 m=21
